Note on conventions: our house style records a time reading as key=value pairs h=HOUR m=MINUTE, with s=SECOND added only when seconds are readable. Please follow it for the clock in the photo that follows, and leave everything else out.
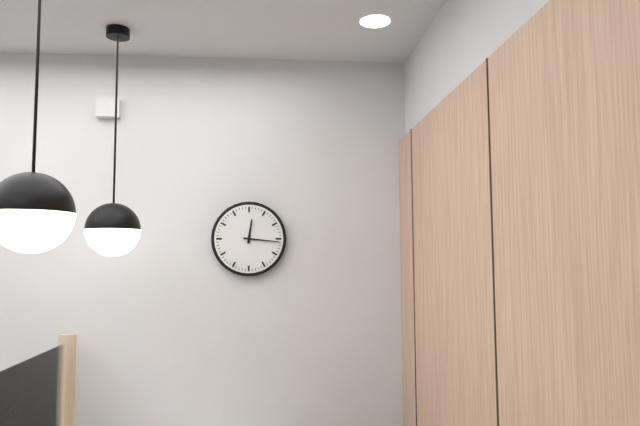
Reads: h=12 m=16
